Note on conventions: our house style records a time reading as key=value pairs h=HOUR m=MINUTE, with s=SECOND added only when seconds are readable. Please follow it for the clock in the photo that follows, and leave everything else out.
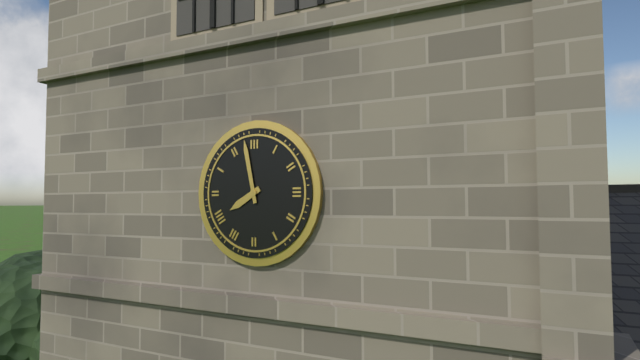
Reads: h=7 m=58
